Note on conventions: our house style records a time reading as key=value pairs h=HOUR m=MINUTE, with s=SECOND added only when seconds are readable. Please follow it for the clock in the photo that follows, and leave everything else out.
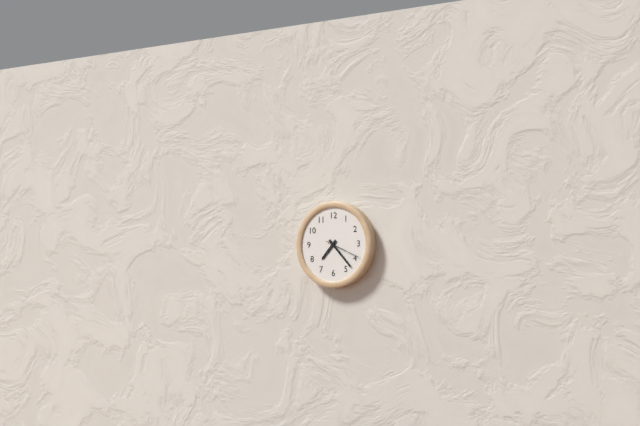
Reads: h=7 m=23
